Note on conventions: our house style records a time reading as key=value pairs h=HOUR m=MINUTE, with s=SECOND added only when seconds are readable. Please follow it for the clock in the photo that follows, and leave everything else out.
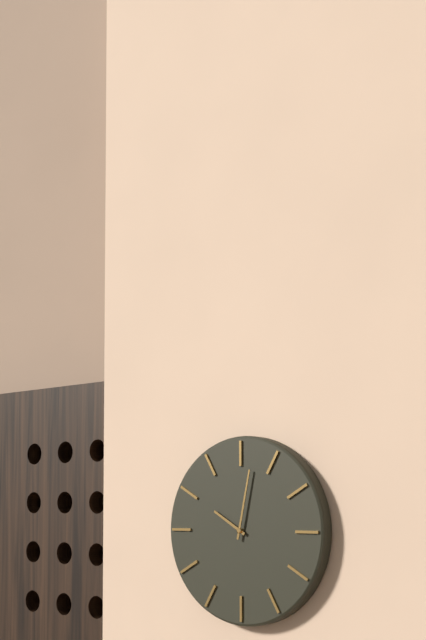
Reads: h=10 m=2
